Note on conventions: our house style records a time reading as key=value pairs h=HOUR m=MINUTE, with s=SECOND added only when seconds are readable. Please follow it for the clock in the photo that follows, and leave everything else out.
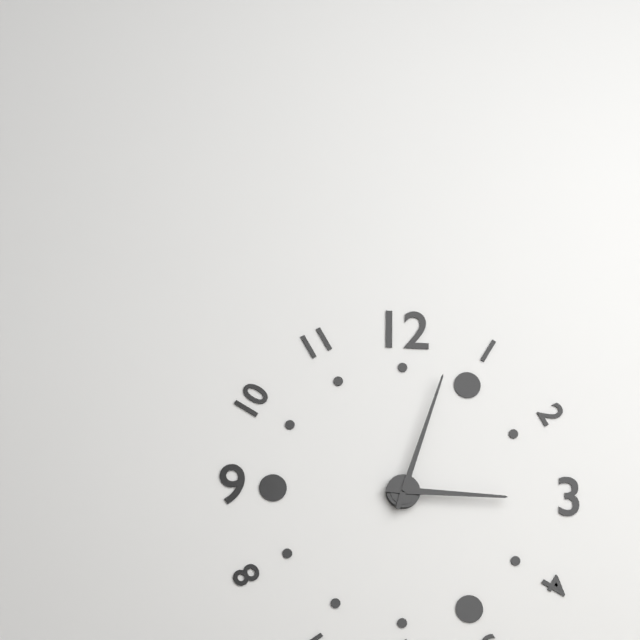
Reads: h=3 m=3
